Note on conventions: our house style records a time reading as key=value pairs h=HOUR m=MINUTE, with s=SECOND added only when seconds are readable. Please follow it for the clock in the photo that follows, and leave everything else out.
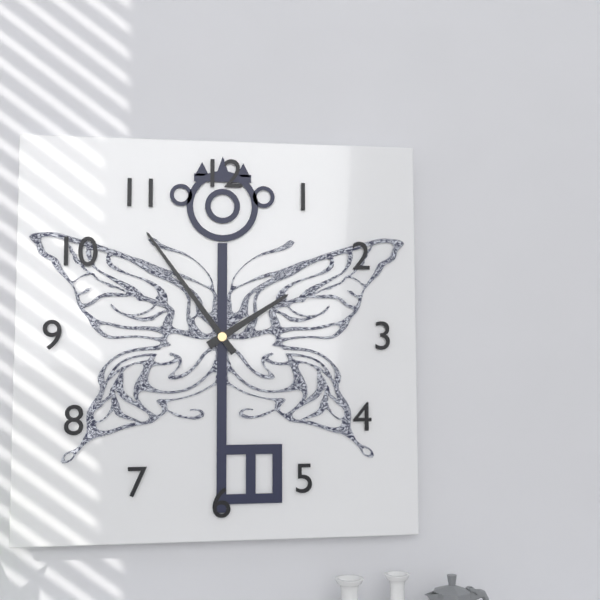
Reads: h=1 m=54
